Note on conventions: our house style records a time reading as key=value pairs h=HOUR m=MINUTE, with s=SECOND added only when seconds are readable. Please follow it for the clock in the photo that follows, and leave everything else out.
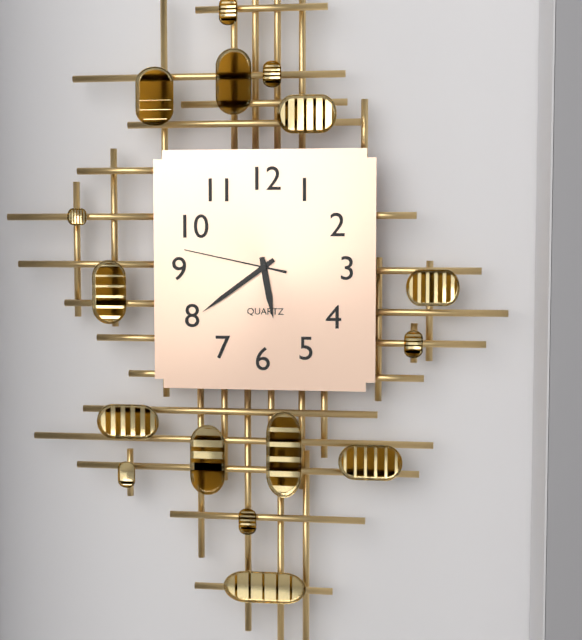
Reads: h=5 m=39 s=47
